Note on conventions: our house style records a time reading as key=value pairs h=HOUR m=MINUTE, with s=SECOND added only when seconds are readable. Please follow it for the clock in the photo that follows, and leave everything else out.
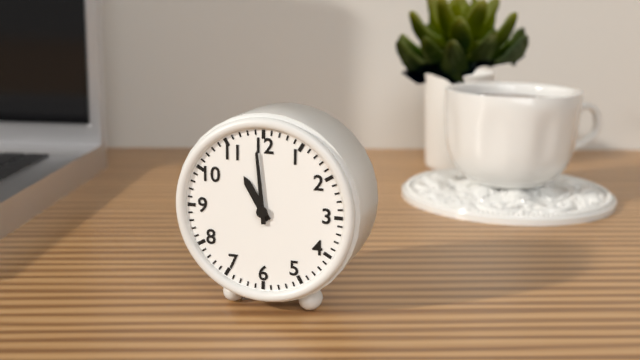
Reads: h=10 m=59
